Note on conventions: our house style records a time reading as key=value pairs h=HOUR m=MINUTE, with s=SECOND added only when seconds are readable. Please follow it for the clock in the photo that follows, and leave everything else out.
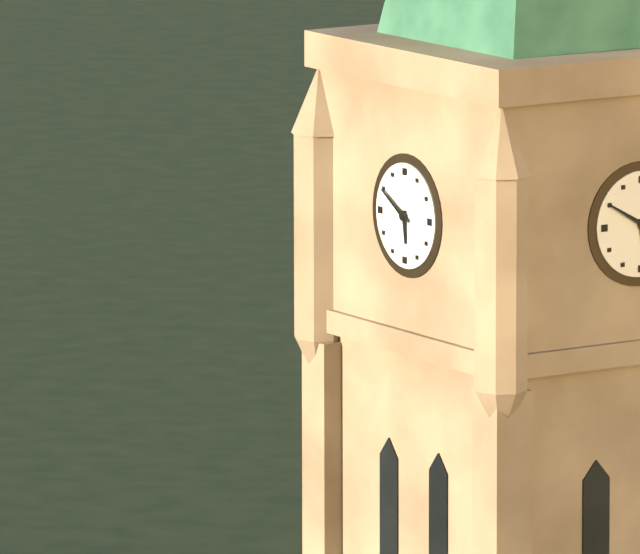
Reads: h=5 m=50
